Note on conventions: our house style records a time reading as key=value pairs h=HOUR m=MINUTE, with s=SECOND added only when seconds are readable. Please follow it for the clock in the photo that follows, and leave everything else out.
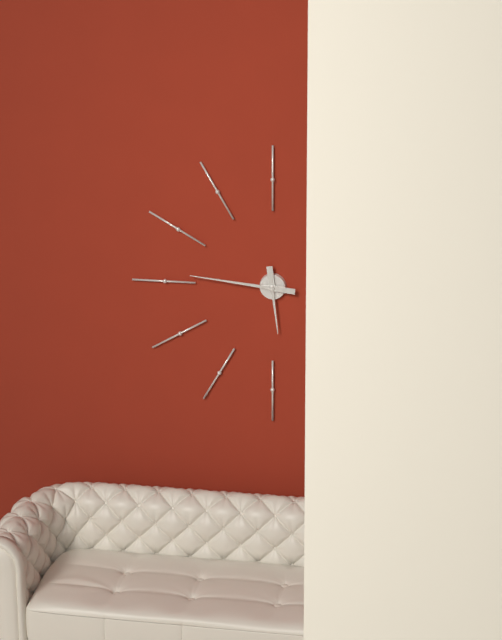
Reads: h=5 m=46
